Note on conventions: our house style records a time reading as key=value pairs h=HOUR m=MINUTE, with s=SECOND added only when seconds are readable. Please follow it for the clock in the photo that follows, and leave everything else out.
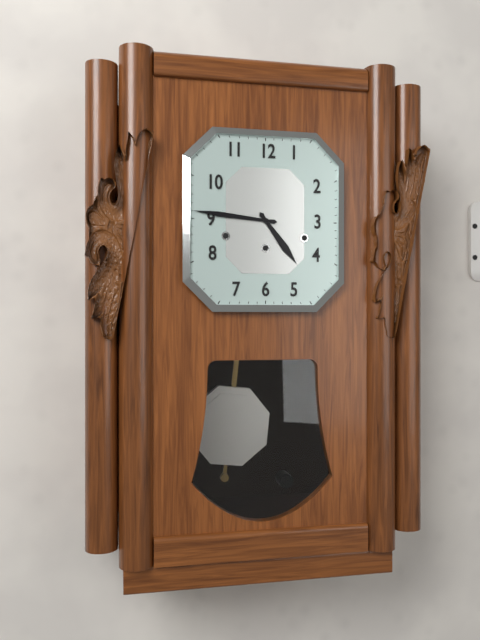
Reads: h=4 m=46
